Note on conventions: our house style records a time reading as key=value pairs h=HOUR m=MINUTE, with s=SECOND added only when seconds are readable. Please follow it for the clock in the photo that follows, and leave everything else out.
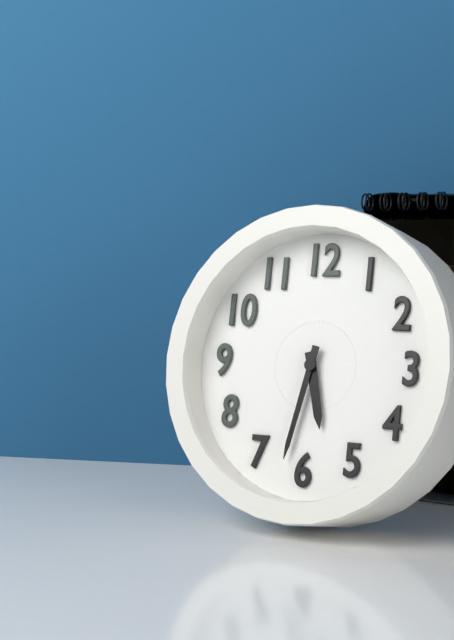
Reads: h=5 m=32
